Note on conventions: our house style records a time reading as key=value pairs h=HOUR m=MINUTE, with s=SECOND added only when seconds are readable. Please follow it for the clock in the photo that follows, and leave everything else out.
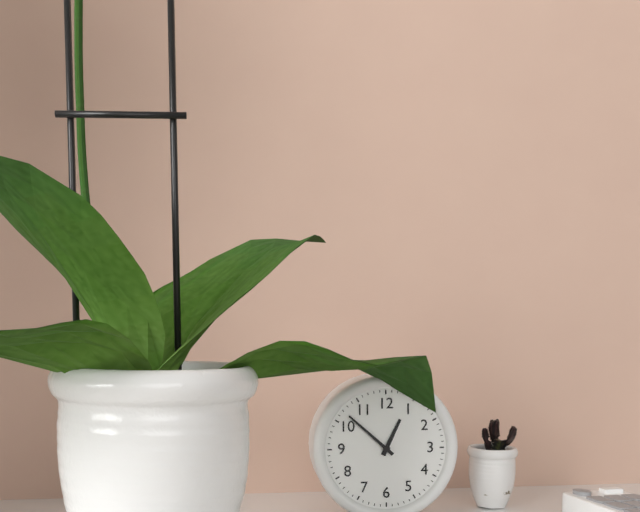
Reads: h=12 m=52
